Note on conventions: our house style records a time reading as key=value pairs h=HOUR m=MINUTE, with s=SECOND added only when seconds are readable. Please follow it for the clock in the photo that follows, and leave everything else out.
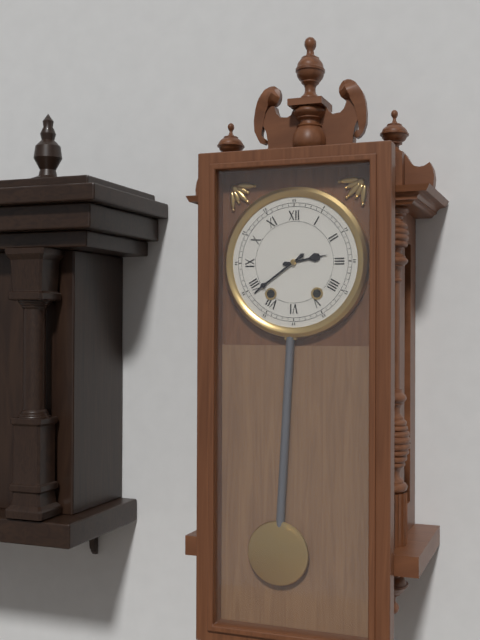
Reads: h=2 m=39
